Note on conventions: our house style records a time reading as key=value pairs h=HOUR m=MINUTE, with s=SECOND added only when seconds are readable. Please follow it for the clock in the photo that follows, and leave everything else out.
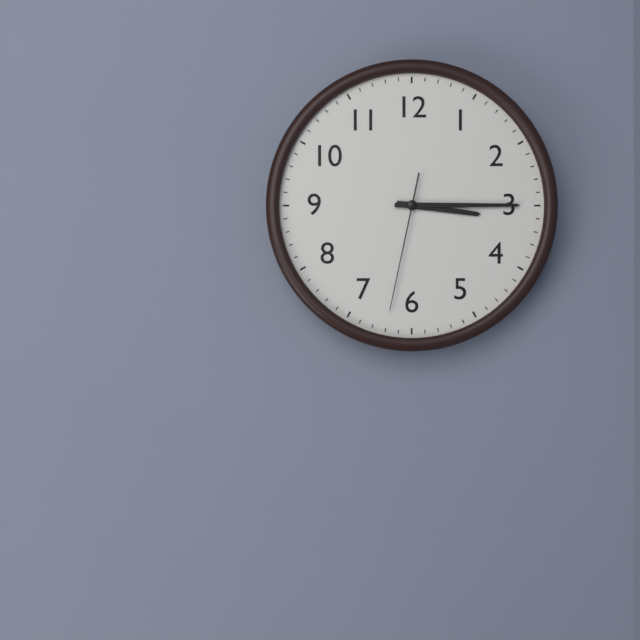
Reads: h=3 m=15 s=32
